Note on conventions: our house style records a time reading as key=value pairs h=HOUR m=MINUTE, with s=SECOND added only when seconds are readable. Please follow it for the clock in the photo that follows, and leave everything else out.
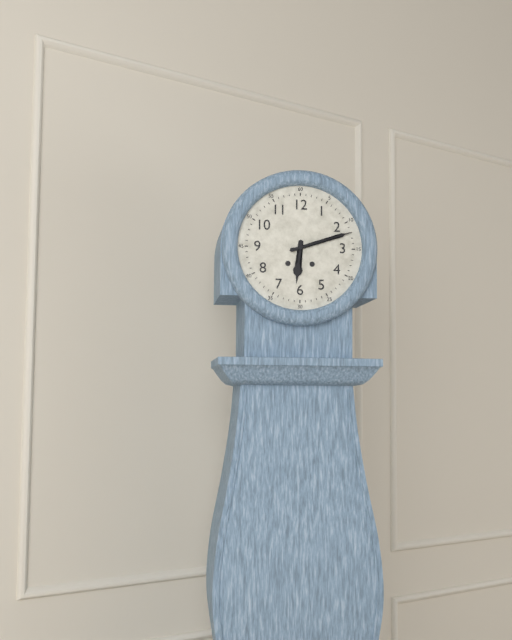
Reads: h=6 m=12
